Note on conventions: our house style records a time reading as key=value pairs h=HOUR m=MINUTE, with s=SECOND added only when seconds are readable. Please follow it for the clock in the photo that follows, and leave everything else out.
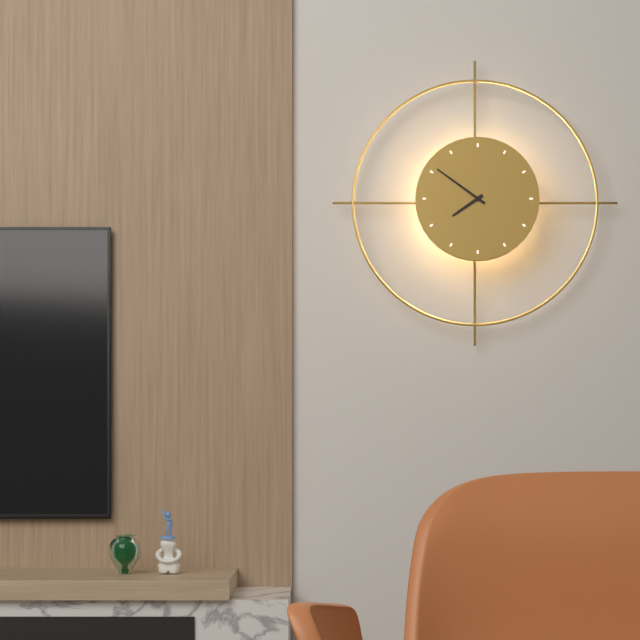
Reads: h=7 m=51
